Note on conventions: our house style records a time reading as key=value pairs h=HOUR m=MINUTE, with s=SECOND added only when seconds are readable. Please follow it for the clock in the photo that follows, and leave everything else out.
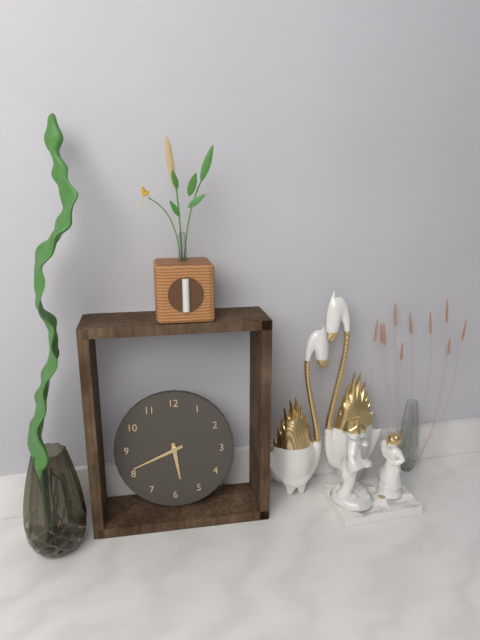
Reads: h=5 m=41
